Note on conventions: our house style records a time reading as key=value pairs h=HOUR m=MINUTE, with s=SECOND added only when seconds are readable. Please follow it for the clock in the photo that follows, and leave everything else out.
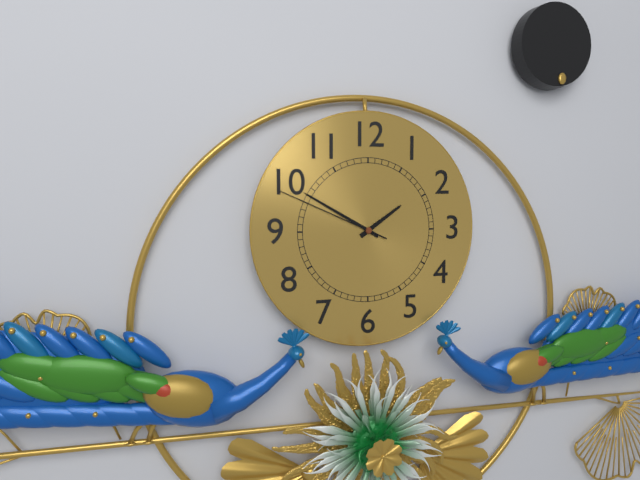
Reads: h=1 m=50 s=49
